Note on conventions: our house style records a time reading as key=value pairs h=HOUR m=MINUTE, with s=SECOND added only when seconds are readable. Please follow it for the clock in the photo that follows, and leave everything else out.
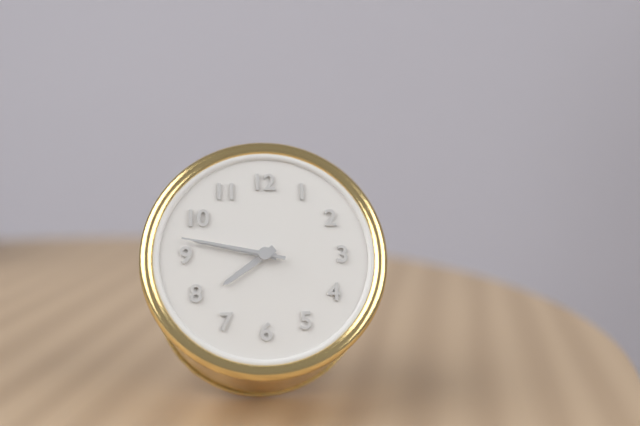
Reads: h=7 m=47 s=47
